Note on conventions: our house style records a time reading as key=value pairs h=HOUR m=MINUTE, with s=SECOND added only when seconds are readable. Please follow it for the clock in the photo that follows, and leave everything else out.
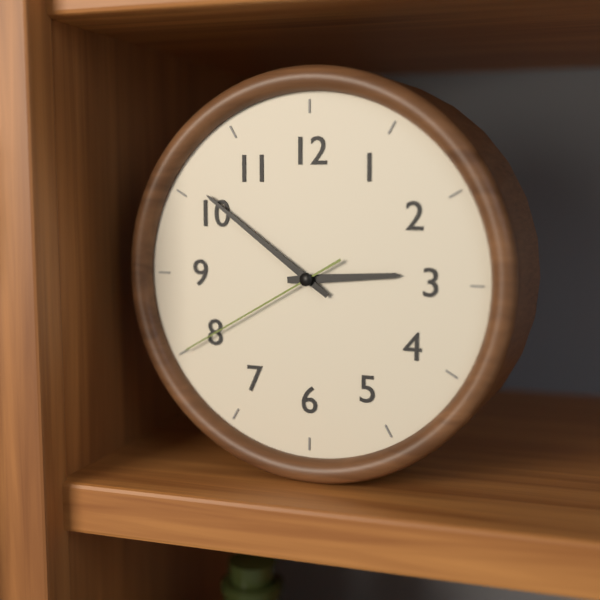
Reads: h=2 m=51 s=40
